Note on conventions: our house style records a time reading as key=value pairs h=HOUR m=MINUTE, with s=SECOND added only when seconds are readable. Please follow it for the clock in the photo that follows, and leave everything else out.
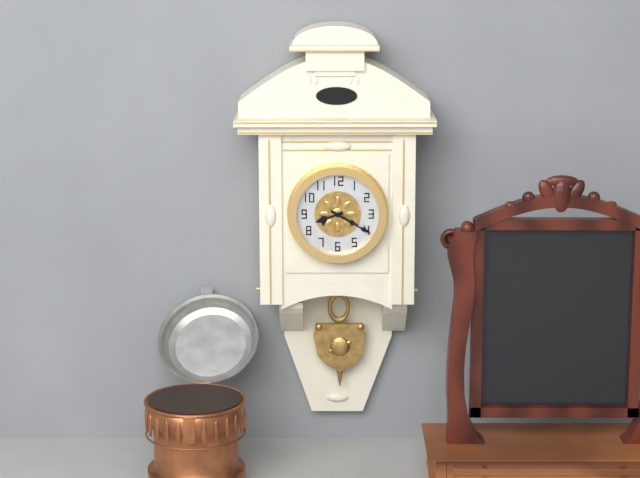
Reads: h=8 m=20
